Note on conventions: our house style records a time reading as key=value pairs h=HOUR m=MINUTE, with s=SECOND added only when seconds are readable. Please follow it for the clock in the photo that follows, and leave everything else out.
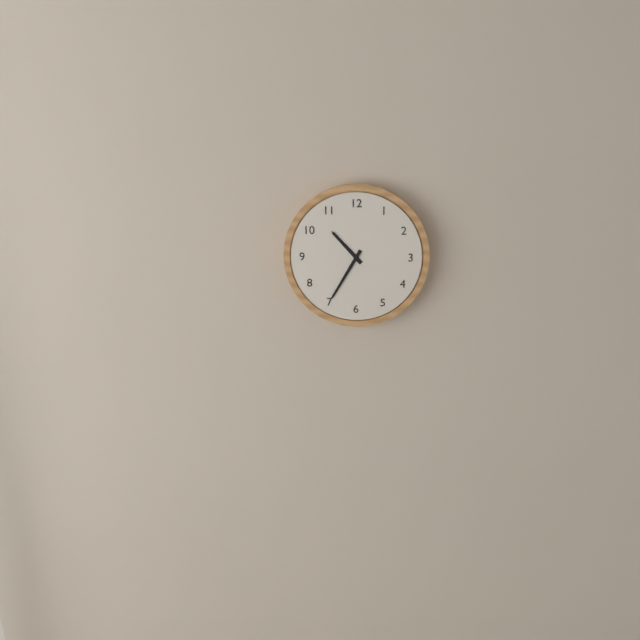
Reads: h=10 m=35
